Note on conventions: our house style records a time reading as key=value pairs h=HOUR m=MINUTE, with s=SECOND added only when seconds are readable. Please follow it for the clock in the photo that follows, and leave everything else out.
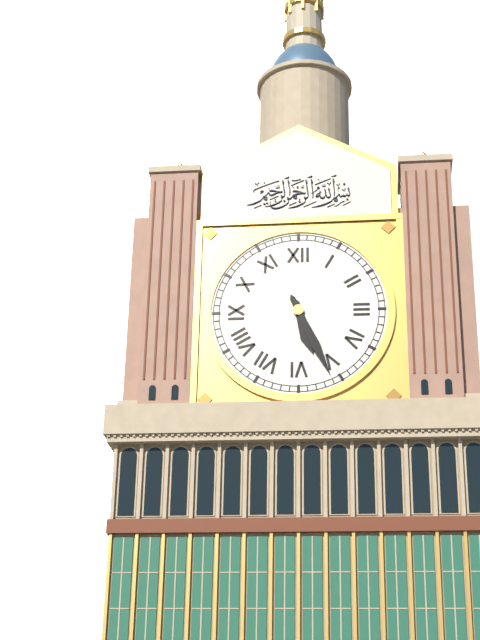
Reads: h=5 m=26
